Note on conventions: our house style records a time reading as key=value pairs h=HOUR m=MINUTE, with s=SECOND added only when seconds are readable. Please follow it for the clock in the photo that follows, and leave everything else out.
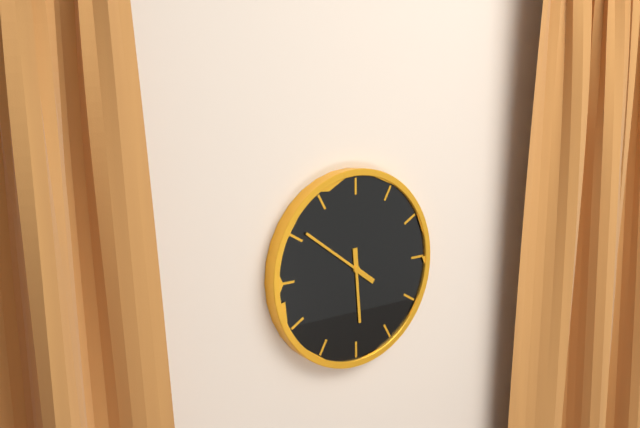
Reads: h=5 m=51
